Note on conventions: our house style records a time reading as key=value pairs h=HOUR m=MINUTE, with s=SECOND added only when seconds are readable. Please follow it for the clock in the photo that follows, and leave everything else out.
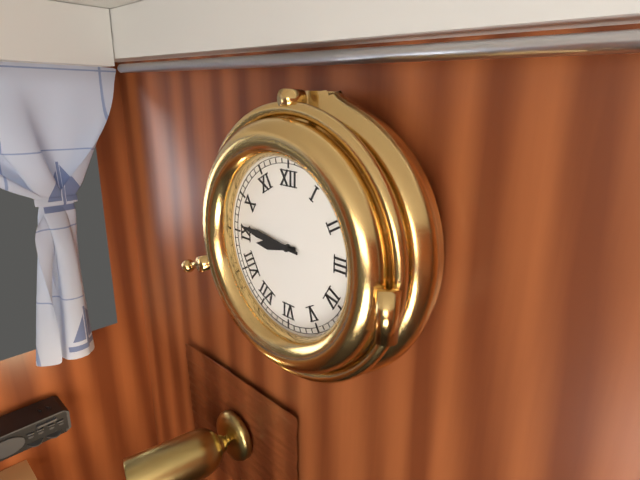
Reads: h=8 m=46
